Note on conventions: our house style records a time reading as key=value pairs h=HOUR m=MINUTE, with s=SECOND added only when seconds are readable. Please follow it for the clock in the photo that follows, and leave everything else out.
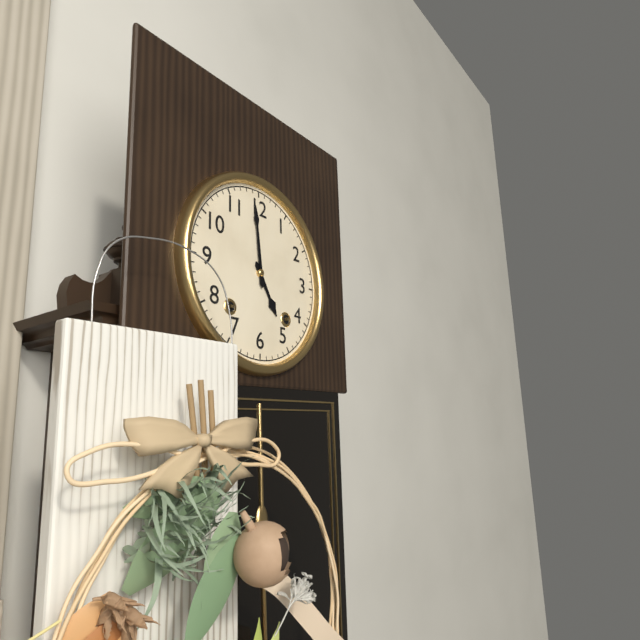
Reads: h=4 m=59
